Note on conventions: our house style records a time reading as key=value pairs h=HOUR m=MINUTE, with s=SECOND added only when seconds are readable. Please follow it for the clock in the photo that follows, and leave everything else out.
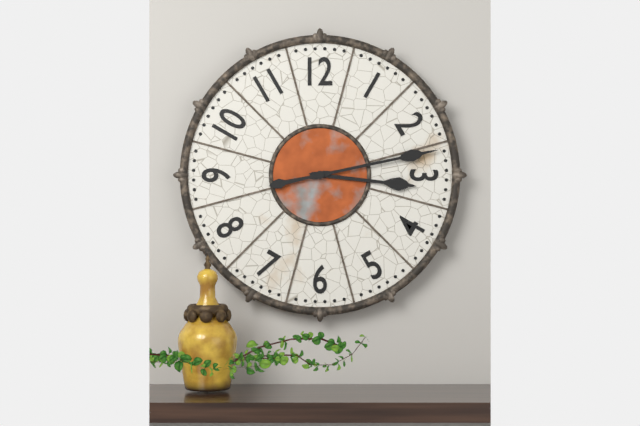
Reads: h=3 m=13
